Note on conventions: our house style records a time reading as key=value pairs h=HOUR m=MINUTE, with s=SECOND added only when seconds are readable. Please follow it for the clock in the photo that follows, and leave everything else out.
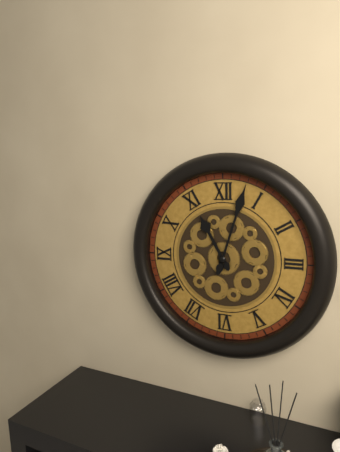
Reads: h=11 m=3
